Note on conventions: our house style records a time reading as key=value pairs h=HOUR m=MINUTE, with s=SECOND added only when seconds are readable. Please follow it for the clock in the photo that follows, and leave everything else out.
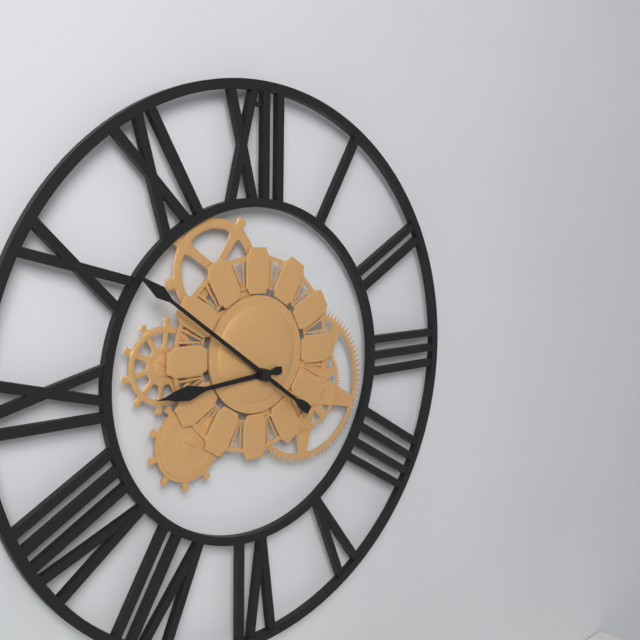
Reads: h=8 m=51
